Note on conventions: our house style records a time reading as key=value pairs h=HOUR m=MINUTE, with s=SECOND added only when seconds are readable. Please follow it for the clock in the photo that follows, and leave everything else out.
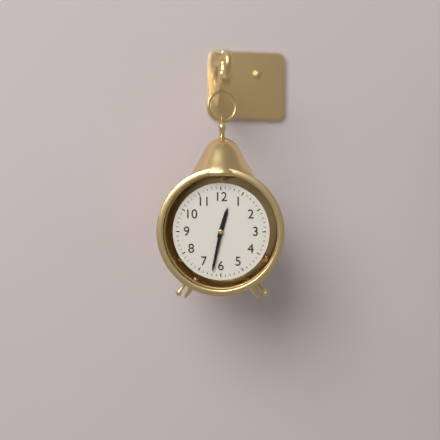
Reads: h=12 m=32
